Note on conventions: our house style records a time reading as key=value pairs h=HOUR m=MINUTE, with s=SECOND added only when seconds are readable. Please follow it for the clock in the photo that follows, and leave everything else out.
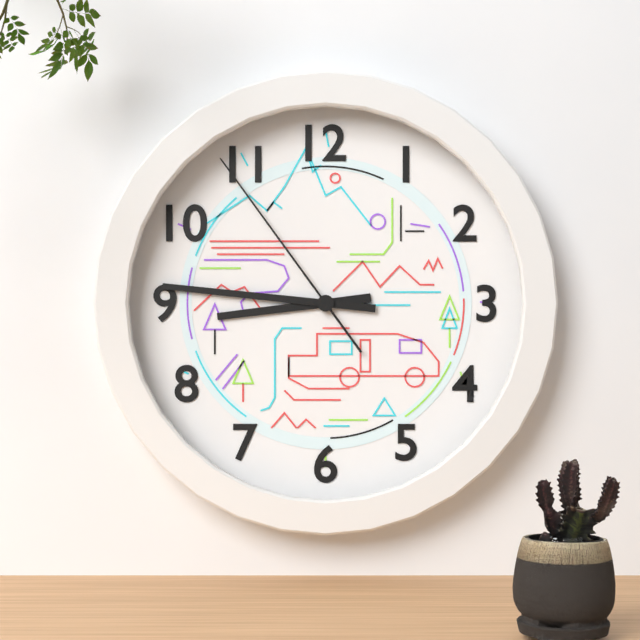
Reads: h=8 m=46 s=54
